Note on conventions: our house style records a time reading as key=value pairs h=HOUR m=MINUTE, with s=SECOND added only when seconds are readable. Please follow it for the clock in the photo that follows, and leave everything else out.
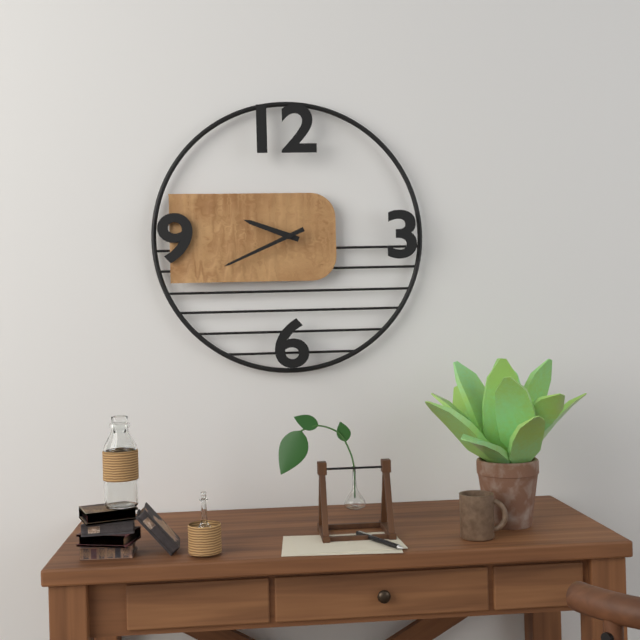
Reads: h=9 m=41
